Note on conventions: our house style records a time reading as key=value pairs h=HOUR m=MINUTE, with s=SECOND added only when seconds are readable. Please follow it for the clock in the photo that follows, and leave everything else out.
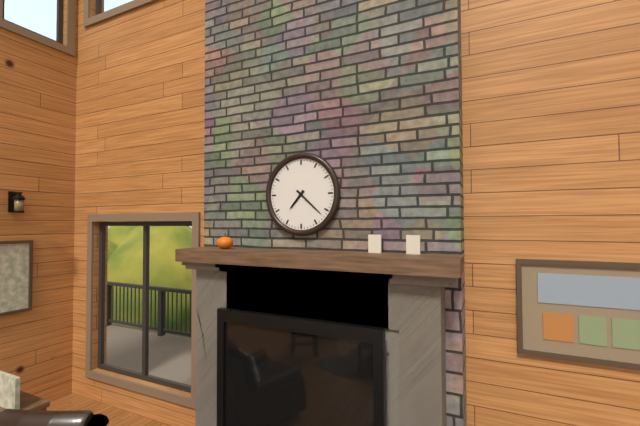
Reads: h=7 m=22
